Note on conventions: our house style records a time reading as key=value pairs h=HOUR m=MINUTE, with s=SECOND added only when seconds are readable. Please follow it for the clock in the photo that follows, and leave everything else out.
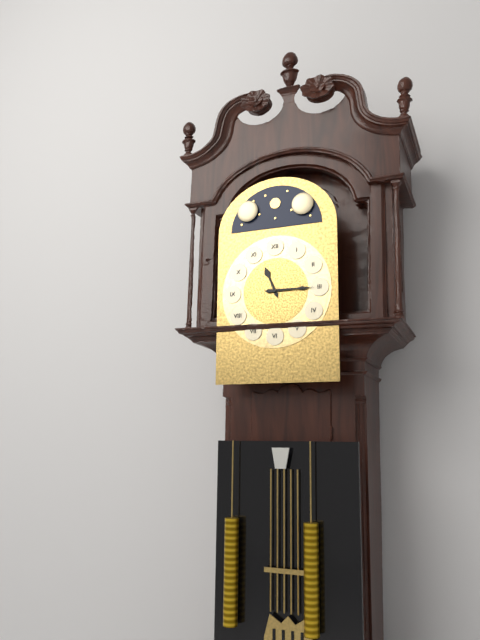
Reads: h=11 m=15
